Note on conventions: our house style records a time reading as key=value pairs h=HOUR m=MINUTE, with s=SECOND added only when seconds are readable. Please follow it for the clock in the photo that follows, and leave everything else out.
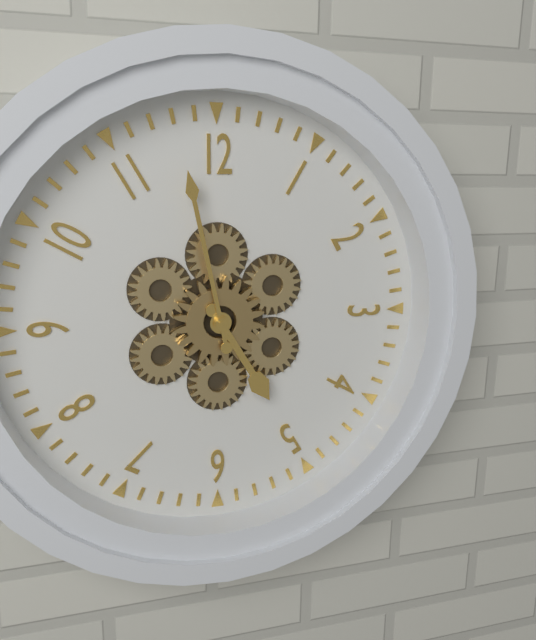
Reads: h=4 m=58
